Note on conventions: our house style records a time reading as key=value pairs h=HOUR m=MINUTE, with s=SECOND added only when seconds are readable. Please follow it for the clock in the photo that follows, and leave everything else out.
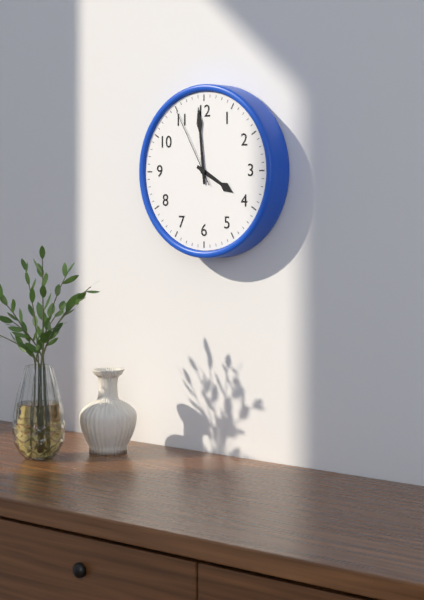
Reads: h=3 m=59 s=55
